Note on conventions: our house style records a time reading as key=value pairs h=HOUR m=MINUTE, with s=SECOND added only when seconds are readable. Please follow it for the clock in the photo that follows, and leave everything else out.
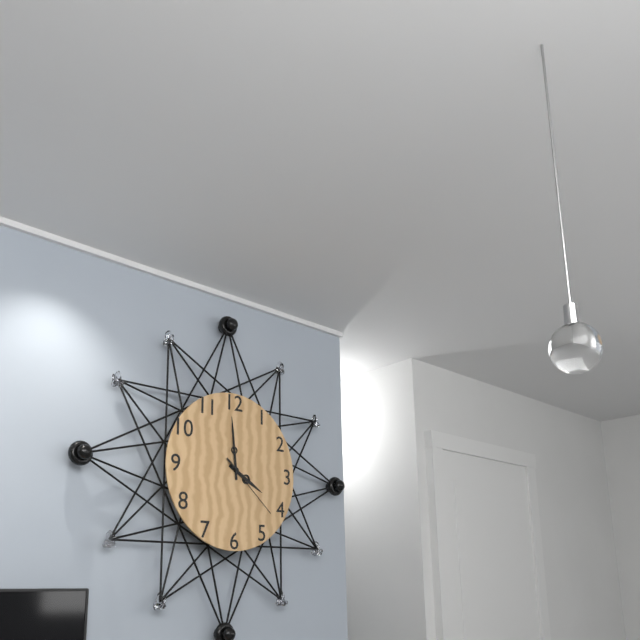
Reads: h=3 m=59 s=22
